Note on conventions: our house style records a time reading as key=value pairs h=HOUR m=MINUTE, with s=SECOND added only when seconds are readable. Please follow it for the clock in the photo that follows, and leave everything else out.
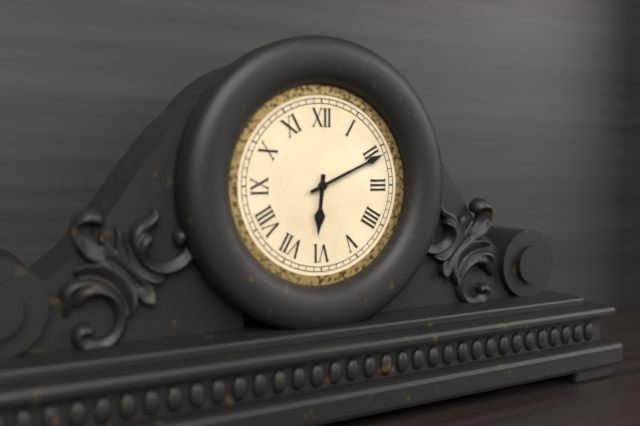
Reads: h=6 m=11
